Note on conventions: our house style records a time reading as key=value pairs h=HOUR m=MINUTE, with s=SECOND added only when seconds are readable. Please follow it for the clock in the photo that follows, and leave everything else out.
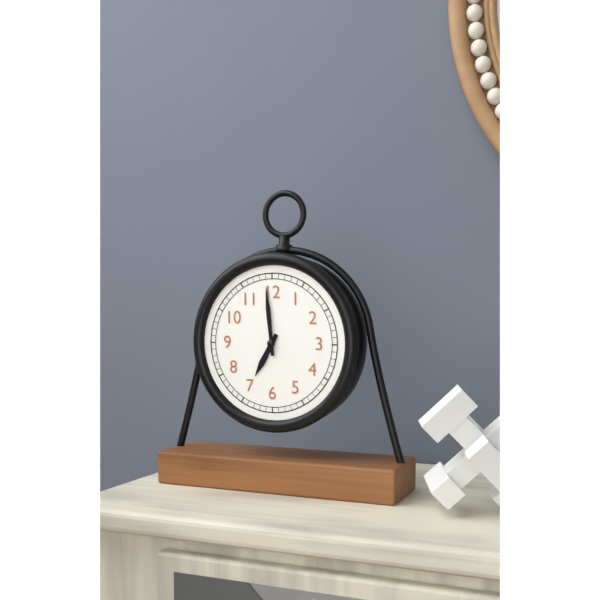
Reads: h=6 m=59
